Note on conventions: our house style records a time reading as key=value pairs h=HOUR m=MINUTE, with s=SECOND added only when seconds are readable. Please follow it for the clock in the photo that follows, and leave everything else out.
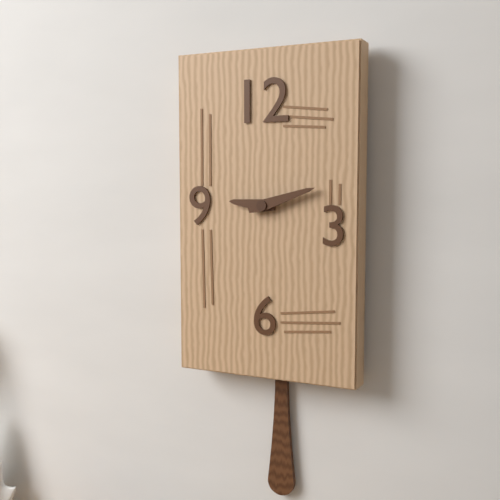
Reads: h=9 m=12
